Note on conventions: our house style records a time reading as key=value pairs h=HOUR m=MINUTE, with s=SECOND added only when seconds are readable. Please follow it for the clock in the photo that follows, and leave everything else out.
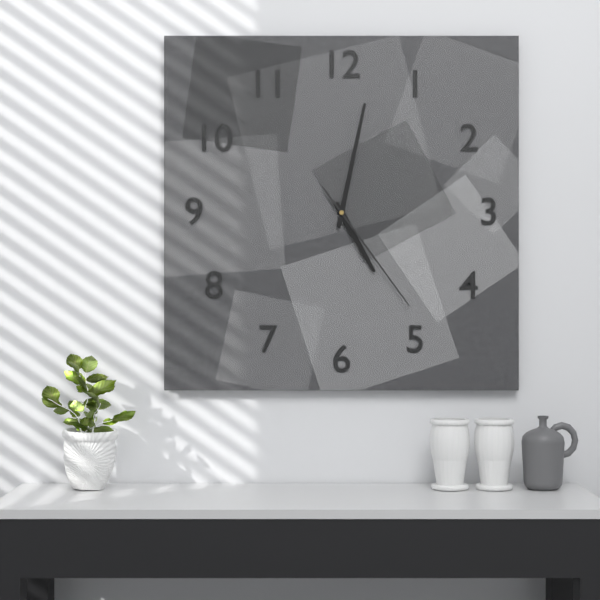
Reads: h=5 m=2 s=24
